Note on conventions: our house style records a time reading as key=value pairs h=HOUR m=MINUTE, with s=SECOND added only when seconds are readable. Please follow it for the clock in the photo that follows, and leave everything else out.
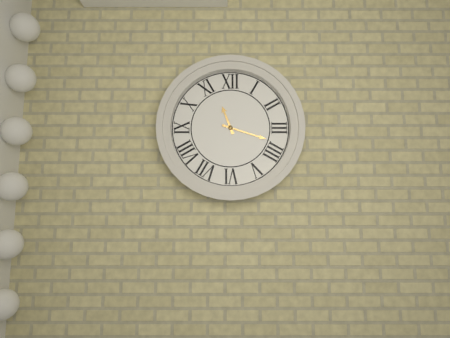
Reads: h=11 m=18
